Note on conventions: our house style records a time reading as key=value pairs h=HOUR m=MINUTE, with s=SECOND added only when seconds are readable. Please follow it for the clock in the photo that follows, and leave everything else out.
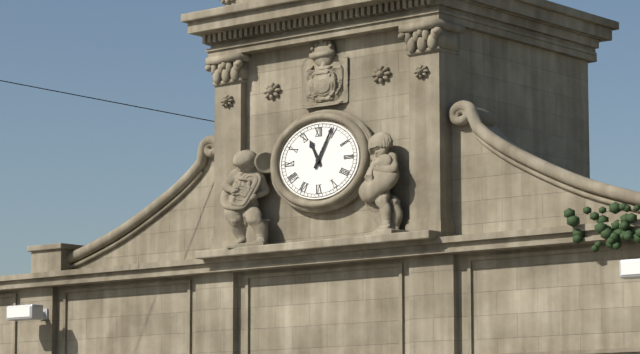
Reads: h=11 m=5
